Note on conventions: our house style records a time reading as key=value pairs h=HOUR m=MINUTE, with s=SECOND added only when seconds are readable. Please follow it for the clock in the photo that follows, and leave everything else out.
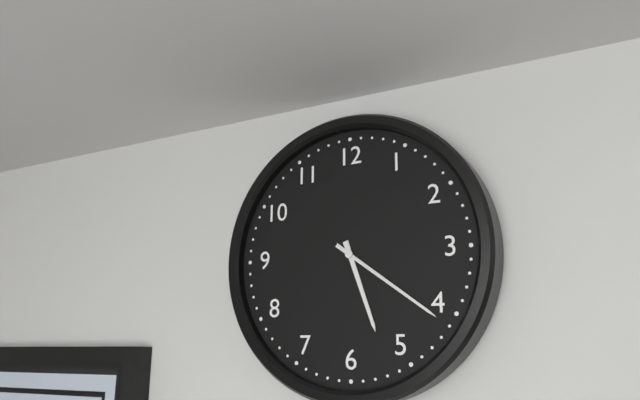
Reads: h=5 m=21
